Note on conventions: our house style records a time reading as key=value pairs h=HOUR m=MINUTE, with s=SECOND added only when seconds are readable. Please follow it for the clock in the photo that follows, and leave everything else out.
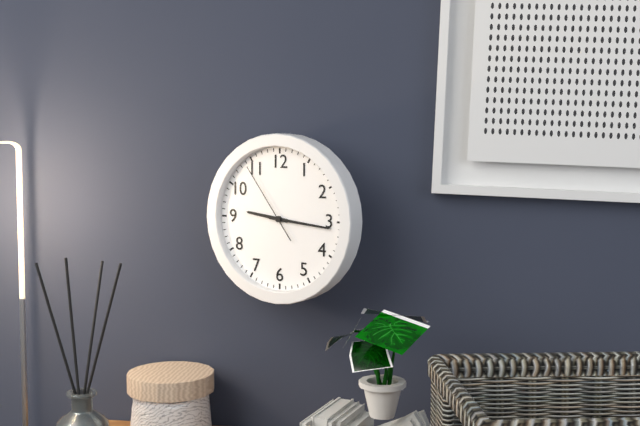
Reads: h=9 m=16 s=54
